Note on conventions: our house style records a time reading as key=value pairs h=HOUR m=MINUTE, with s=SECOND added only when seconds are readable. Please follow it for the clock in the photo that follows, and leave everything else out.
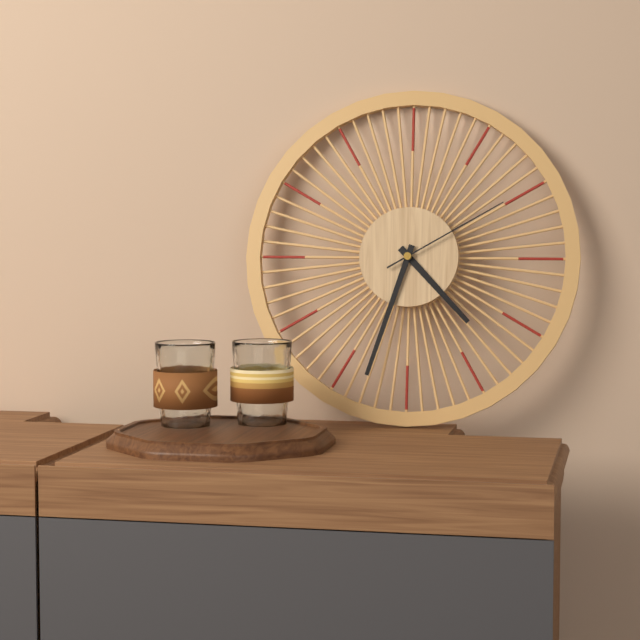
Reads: h=4 m=33 s=10
